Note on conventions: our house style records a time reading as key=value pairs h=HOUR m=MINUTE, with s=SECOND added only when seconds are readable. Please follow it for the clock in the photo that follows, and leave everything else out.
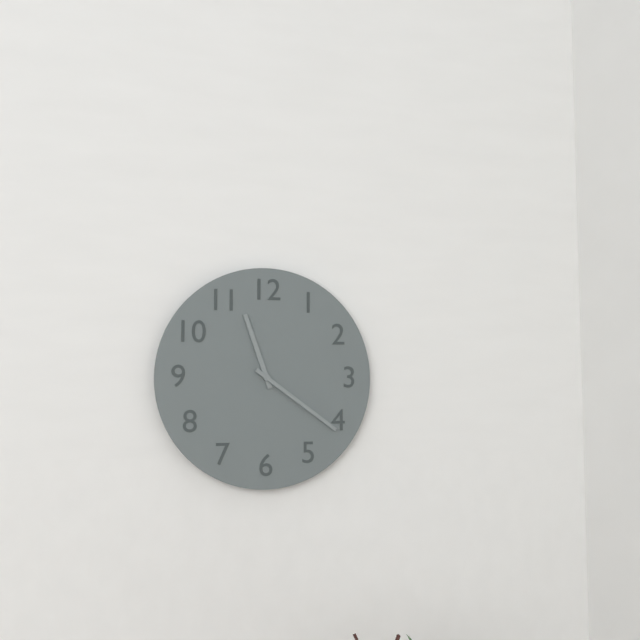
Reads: h=11 m=21
